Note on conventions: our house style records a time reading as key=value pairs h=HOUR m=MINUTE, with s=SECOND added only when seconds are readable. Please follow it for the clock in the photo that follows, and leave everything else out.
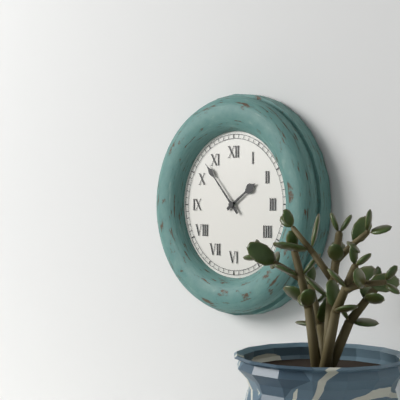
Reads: h=1 m=53
